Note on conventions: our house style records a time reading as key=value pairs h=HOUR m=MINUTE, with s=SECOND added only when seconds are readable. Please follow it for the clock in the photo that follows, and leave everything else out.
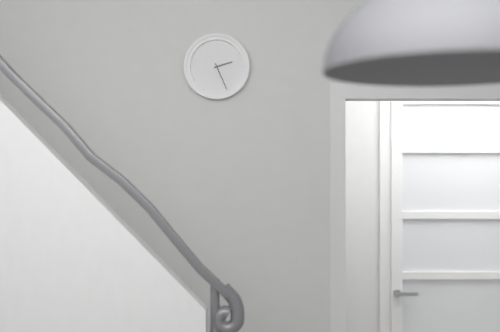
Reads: h=2 m=26
